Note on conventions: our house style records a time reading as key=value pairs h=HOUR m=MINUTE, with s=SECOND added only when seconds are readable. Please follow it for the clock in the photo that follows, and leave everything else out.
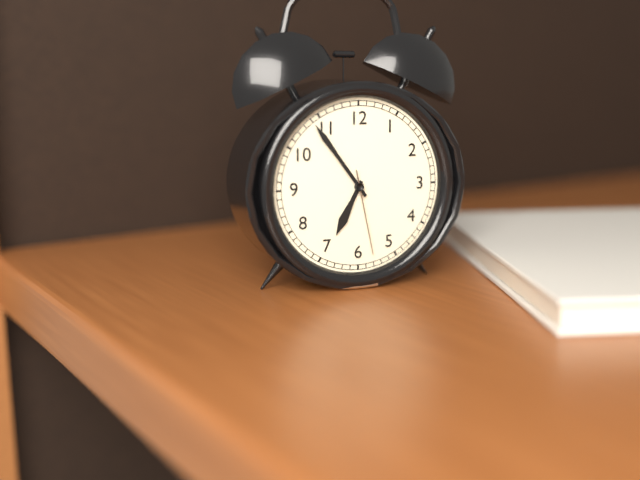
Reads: h=6 m=54 s=28
